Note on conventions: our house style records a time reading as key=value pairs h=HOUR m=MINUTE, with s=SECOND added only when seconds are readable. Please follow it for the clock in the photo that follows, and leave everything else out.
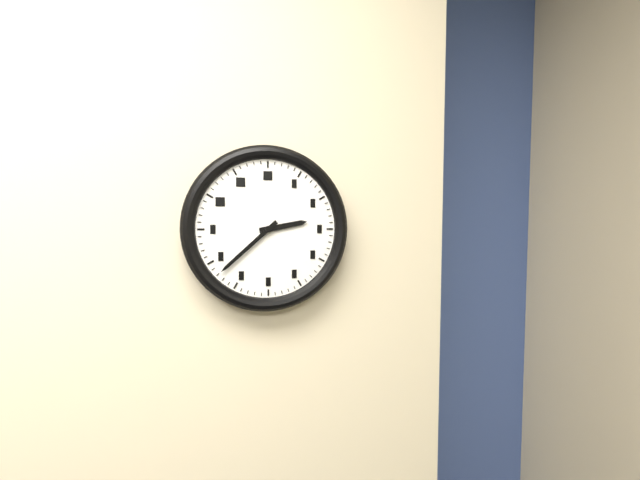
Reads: h=2 m=38
